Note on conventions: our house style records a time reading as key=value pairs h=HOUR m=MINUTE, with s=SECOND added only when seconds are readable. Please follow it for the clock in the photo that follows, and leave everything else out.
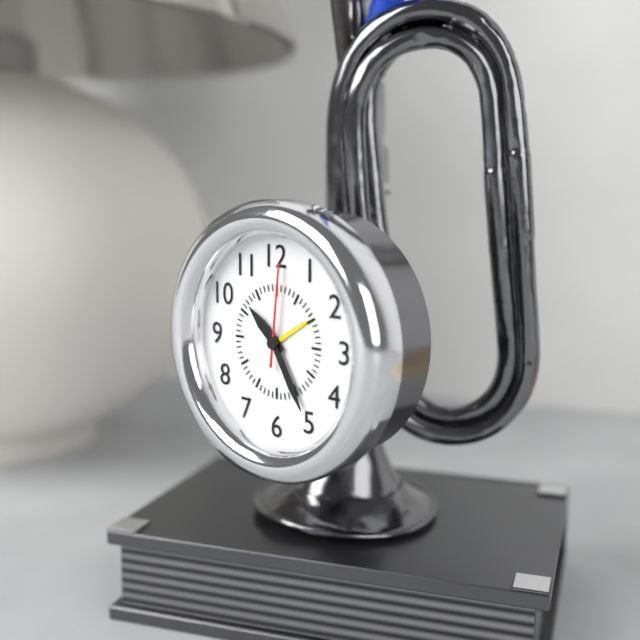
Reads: h=10 m=25 s=1
